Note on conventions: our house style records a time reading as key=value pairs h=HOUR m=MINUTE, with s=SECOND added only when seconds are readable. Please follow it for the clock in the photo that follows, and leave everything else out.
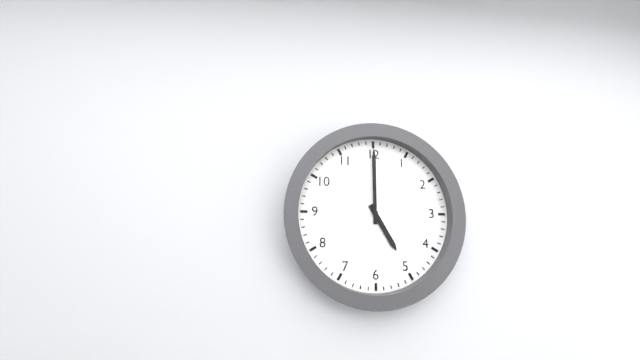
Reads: h=5 m=0
